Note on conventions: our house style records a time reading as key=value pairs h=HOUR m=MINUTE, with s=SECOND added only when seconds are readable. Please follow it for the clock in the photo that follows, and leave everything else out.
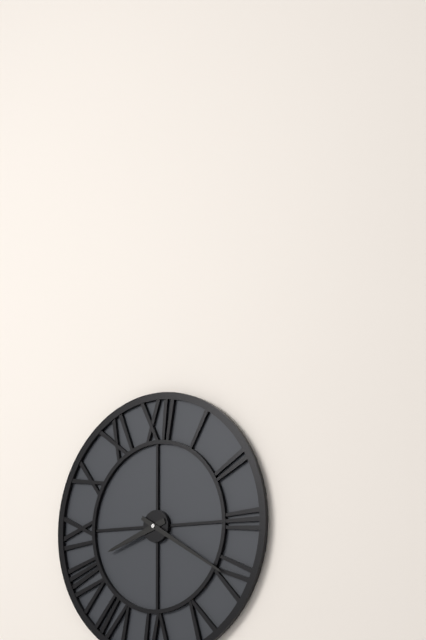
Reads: h=8 m=20
